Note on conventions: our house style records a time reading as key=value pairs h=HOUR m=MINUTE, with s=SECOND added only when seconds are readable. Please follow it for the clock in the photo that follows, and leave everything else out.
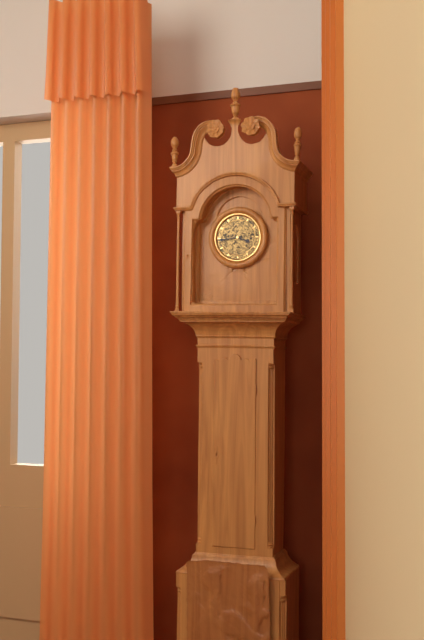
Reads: h=3 m=44
